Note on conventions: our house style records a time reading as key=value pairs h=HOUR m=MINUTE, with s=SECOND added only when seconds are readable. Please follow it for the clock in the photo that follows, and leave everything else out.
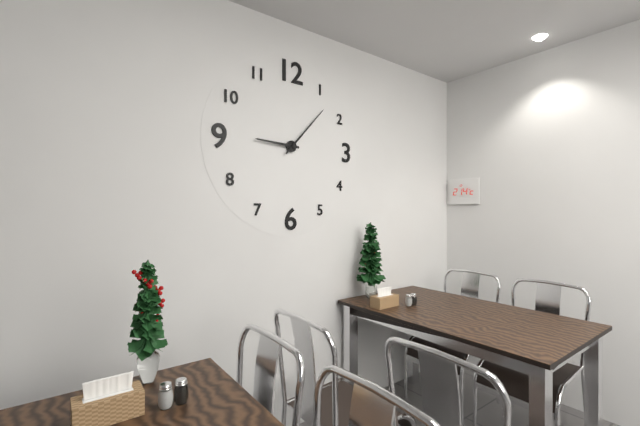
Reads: h=9 m=7
